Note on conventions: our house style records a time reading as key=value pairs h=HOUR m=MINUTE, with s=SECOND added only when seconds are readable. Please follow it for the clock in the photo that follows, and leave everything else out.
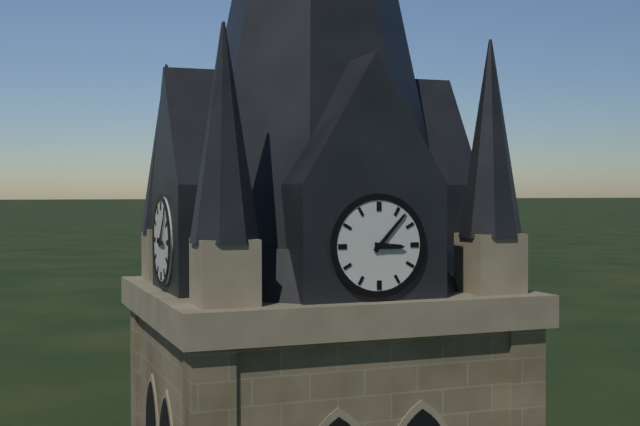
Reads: h=3 m=7
